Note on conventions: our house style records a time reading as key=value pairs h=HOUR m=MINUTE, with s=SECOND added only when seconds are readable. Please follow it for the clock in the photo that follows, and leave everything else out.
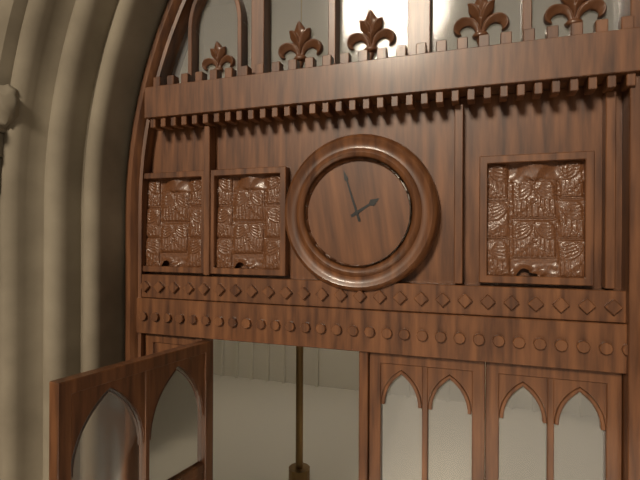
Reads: h=1 m=57
